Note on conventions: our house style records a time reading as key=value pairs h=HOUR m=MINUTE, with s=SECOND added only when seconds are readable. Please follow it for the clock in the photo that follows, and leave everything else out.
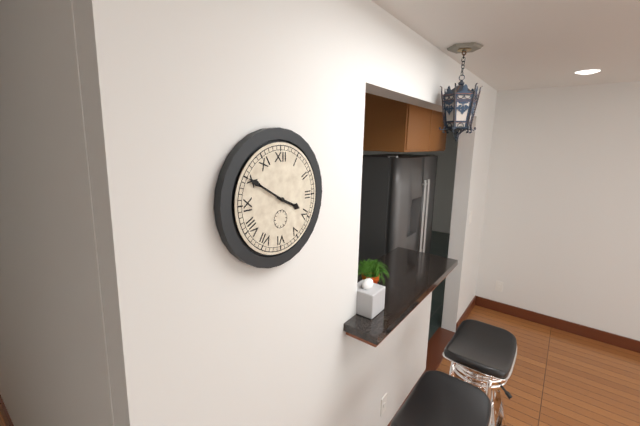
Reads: h=3 m=50
